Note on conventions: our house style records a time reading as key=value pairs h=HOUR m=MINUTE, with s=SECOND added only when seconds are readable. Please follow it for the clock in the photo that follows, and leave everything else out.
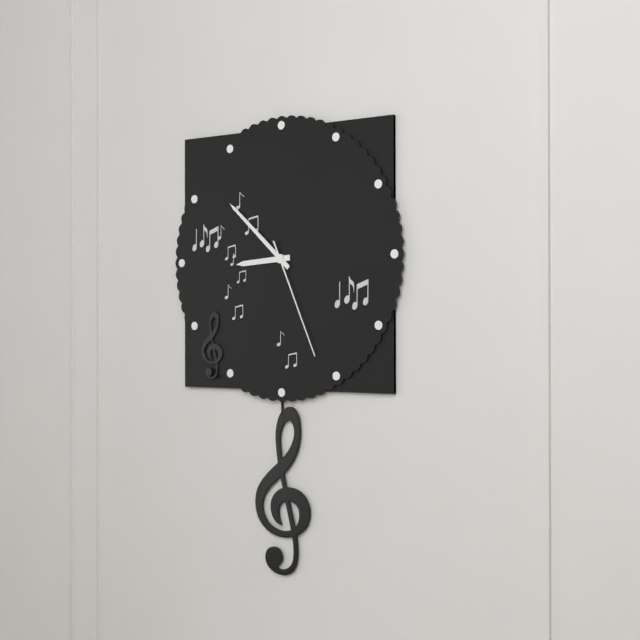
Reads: h=8 m=52 s=26
